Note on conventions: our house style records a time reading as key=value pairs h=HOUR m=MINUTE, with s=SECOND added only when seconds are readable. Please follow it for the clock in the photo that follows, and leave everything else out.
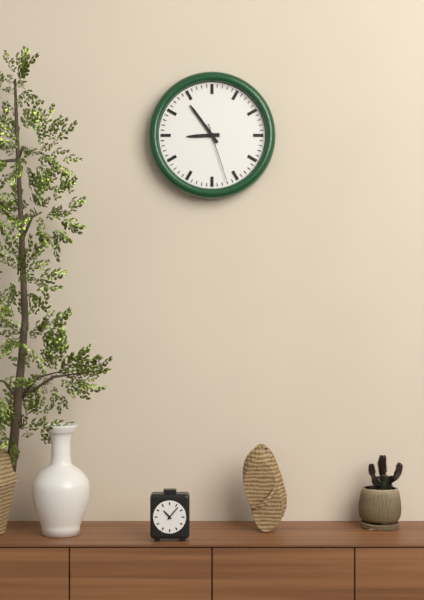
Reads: h=8 m=54 s=27
